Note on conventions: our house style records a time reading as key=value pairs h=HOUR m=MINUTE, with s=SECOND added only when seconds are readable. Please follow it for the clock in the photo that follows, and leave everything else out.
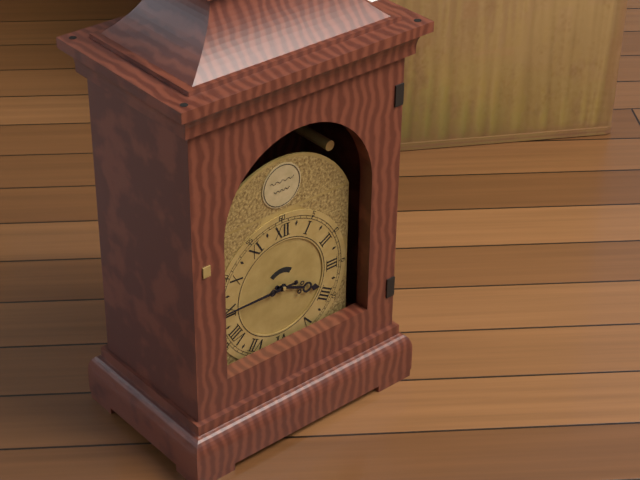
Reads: h=3 m=45
